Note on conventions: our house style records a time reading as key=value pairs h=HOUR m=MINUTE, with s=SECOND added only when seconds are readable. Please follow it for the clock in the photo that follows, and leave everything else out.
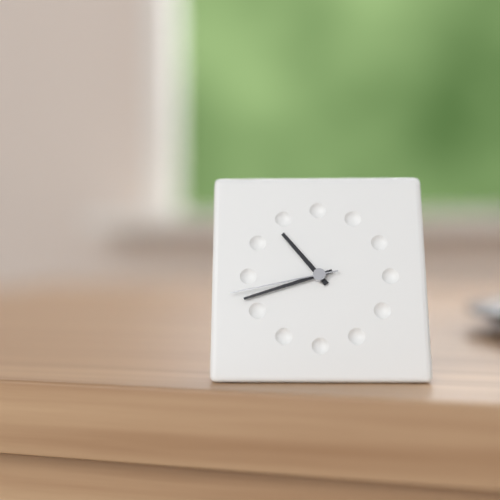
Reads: h=10 m=42 s=43
